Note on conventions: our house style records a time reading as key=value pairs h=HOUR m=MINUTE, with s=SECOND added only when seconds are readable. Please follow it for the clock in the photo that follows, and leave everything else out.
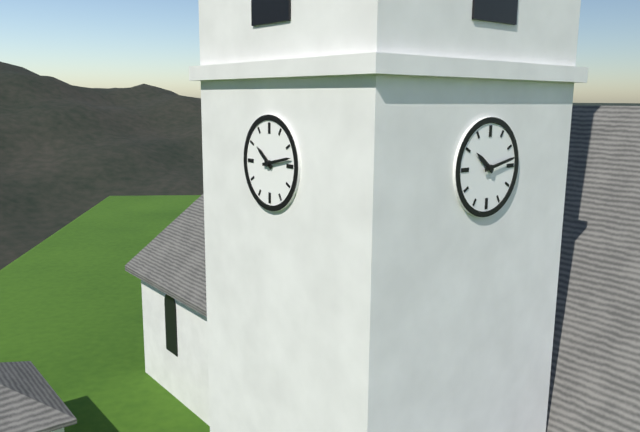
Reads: h=10 m=13
